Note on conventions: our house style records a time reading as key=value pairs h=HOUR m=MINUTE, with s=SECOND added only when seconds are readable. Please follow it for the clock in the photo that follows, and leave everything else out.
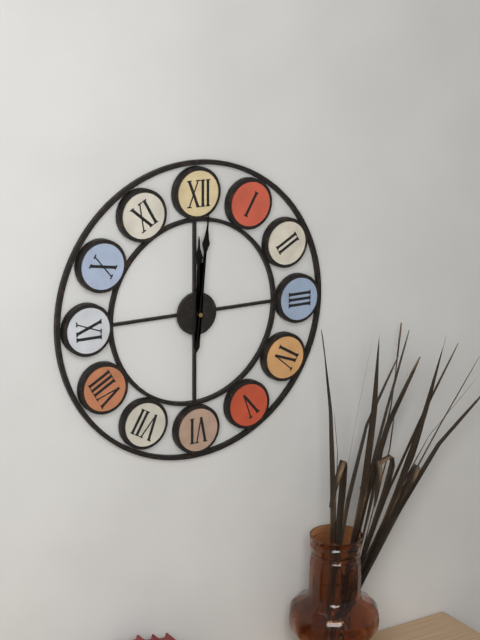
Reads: h=12 m=1
